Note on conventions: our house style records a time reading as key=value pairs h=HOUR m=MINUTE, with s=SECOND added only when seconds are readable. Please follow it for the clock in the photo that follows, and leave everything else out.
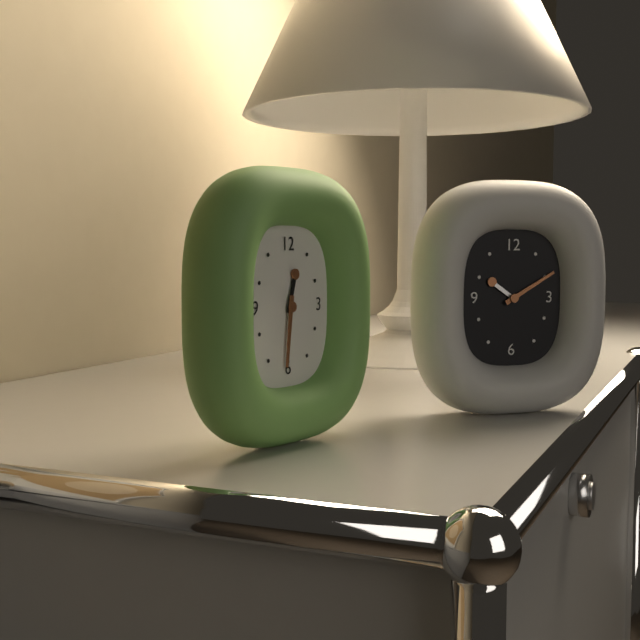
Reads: h=12 m=31
